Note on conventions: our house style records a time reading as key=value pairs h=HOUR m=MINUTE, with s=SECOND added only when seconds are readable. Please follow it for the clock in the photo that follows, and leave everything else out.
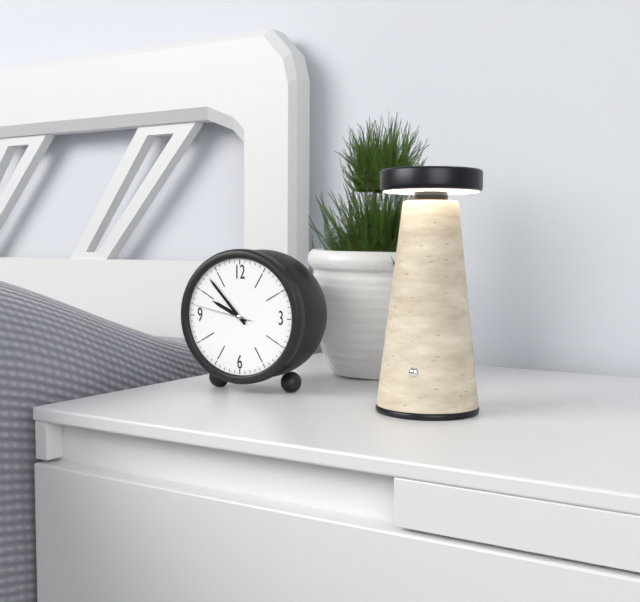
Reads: h=9 m=53 s=47
